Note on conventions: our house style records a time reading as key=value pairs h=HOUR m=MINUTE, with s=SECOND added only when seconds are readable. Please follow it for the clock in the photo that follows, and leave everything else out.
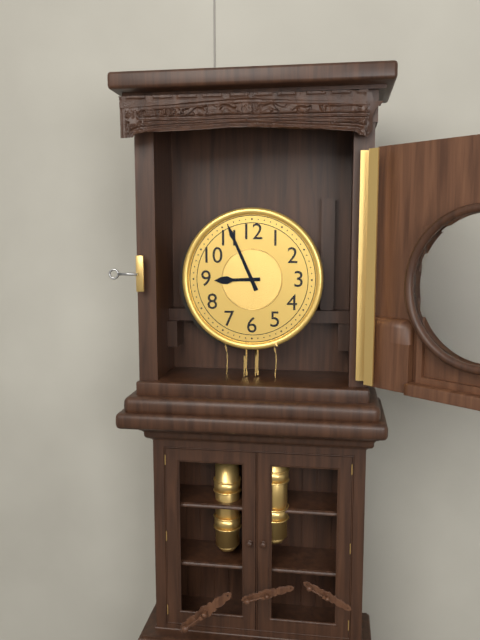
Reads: h=8 m=56
